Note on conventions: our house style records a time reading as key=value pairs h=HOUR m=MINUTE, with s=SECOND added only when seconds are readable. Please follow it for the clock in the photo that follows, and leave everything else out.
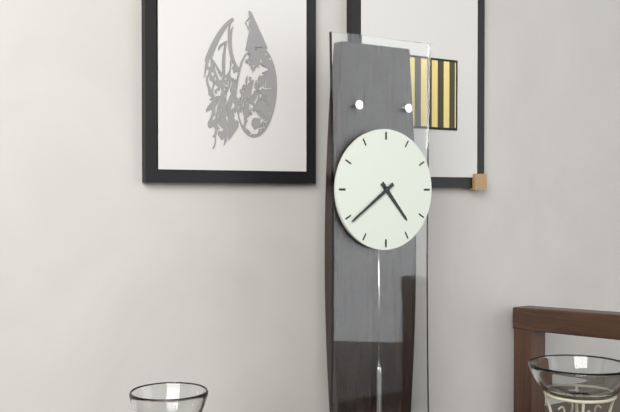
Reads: h=4 m=39
